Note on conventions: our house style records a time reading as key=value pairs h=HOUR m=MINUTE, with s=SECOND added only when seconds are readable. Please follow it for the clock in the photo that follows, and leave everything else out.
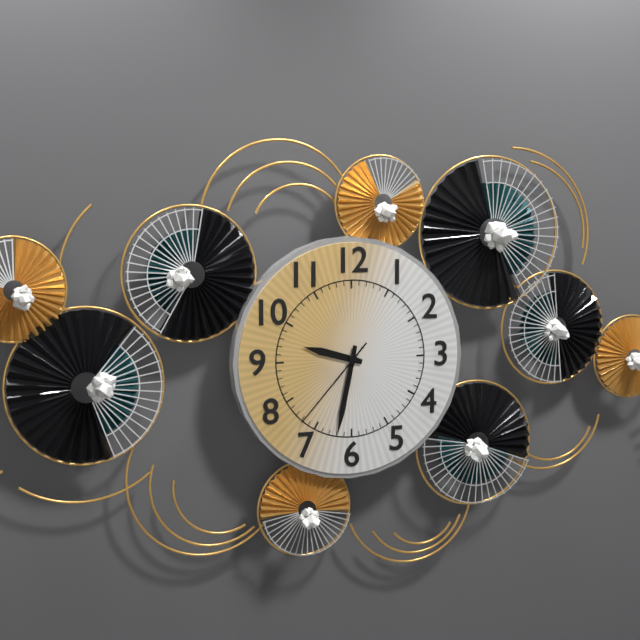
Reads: h=9 m=32 s=37
